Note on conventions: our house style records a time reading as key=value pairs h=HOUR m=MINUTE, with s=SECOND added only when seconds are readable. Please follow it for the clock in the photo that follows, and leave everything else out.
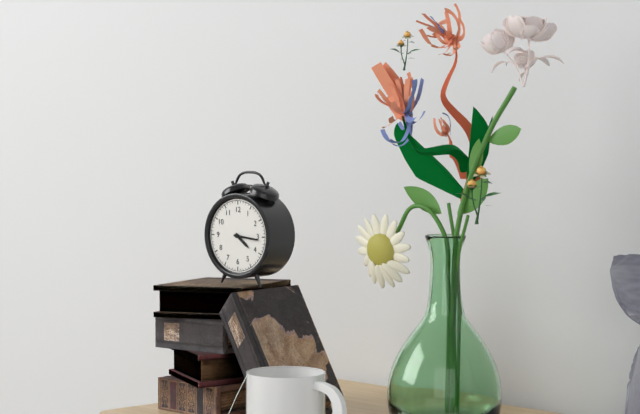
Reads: h=4 m=16
